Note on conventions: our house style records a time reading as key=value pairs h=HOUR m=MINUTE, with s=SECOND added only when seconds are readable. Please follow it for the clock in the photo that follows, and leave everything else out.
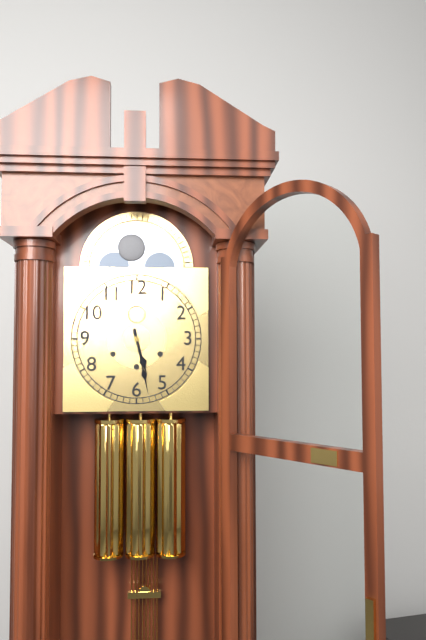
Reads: h=5 m=28
